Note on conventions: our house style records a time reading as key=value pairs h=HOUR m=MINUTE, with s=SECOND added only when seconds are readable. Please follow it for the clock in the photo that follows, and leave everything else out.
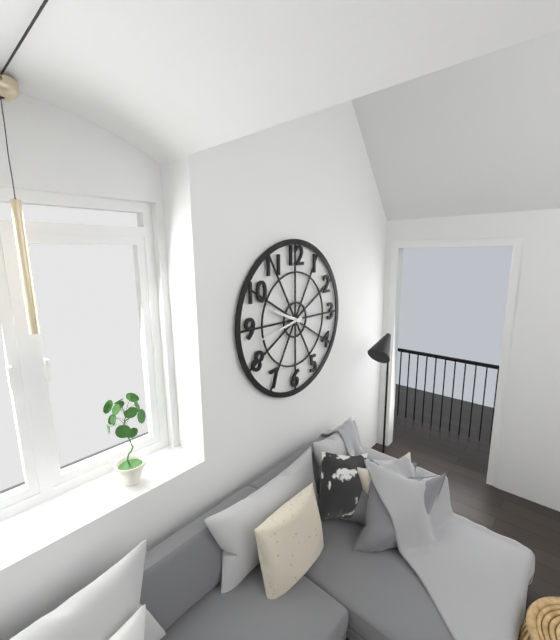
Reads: h=9 m=43
